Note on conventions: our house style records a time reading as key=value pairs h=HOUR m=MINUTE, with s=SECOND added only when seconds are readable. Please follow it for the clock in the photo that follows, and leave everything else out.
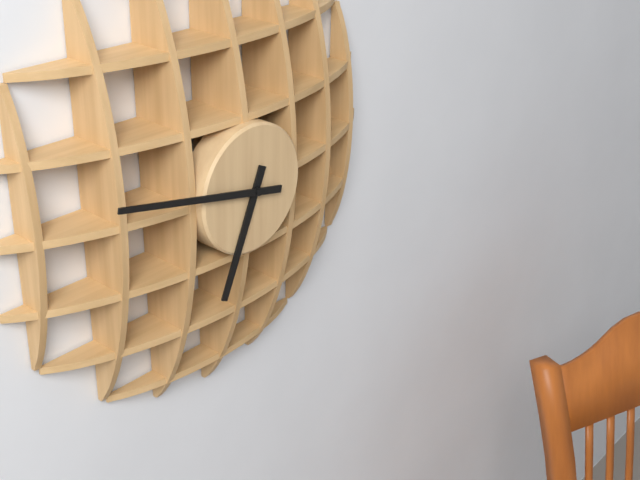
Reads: h=6 m=47
